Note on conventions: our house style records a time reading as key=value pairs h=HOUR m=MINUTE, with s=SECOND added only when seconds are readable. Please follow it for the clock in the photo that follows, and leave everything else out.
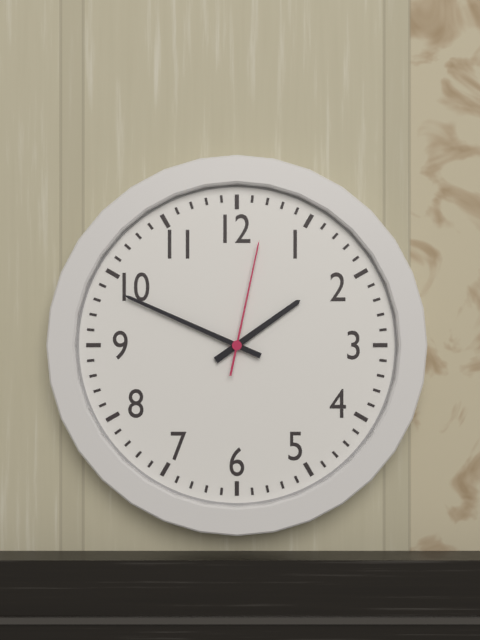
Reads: h=1 m=49 s=2
